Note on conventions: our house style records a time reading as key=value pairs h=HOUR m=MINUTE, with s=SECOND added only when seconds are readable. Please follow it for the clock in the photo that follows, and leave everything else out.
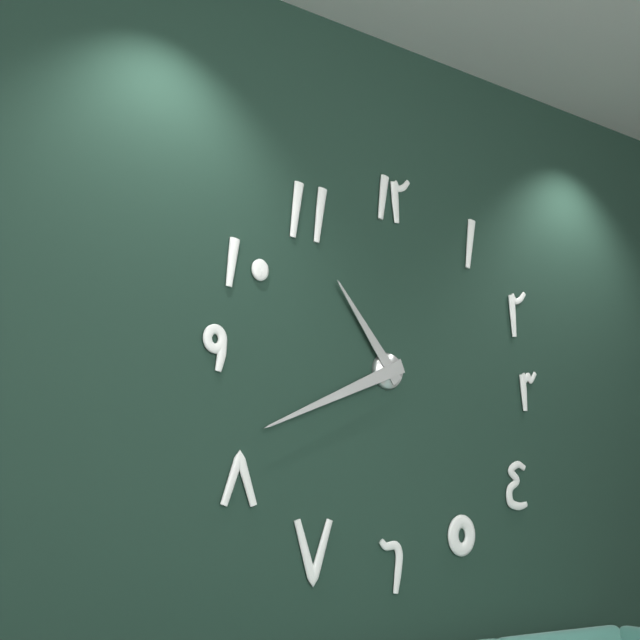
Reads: h=10 m=41
